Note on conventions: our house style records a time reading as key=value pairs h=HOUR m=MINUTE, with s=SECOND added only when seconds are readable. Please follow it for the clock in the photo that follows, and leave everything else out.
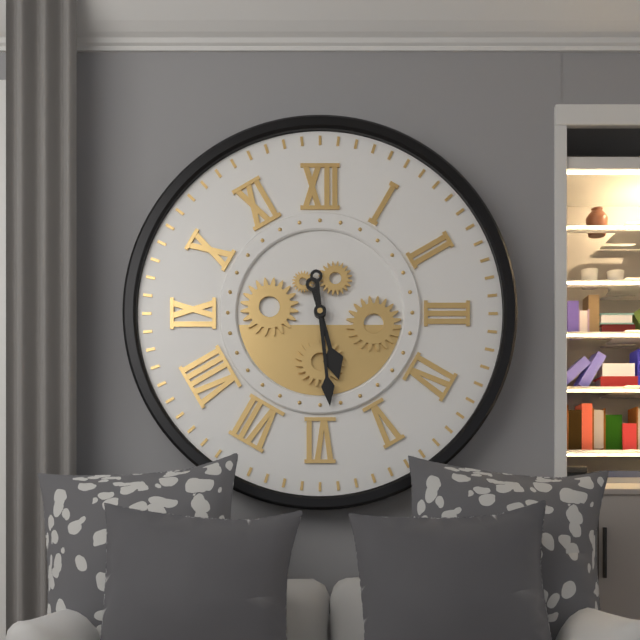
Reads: h=5 m=29
